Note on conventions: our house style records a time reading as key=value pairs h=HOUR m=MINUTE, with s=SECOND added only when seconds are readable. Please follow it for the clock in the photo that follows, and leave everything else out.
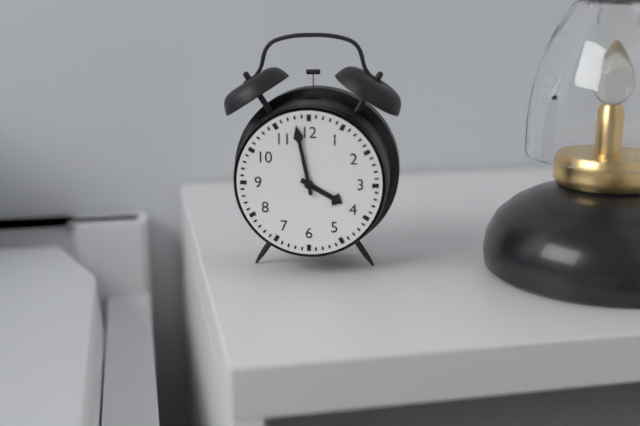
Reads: h=3 m=58
